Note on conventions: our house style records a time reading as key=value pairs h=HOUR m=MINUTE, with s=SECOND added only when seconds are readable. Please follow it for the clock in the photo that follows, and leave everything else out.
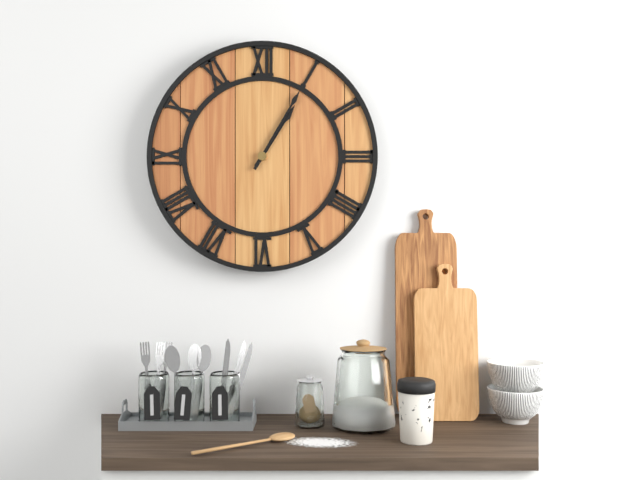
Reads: h=1 m=5
